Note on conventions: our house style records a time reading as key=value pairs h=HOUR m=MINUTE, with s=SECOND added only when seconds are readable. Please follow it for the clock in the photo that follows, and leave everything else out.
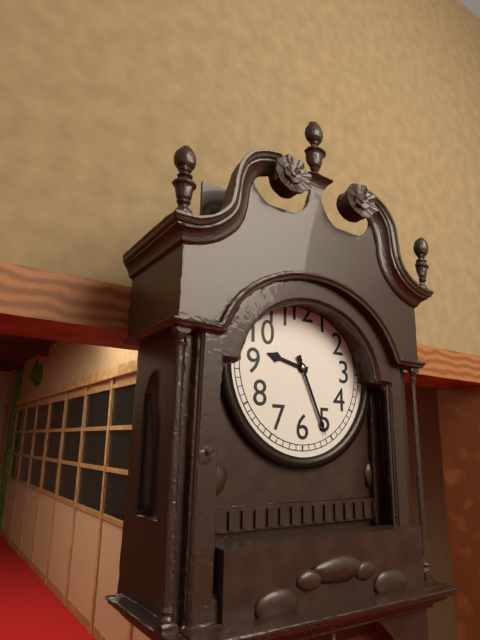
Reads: h=9 m=26
